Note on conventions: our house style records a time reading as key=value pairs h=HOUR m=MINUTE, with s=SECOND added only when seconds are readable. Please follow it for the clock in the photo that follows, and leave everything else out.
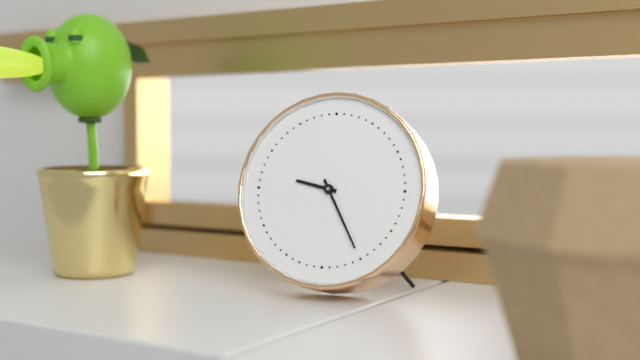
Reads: h=9 m=25
